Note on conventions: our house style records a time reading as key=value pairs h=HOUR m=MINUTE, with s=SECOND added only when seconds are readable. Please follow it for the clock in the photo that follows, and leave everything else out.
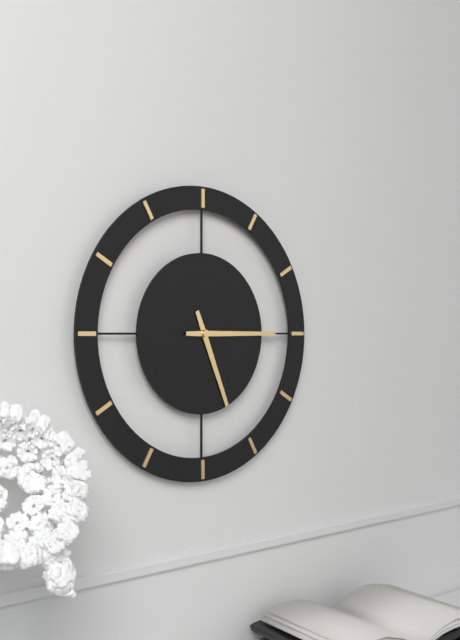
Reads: h=5 m=15
